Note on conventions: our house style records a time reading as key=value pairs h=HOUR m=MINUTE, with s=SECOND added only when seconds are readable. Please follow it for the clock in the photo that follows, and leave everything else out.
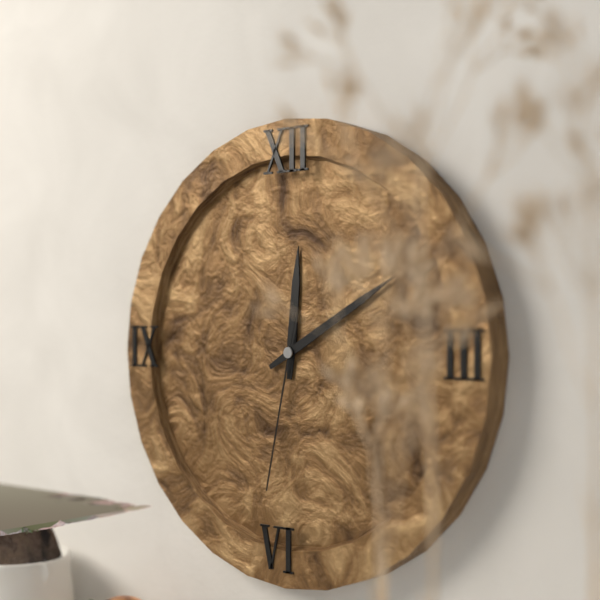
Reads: h=12 m=10 s=32
